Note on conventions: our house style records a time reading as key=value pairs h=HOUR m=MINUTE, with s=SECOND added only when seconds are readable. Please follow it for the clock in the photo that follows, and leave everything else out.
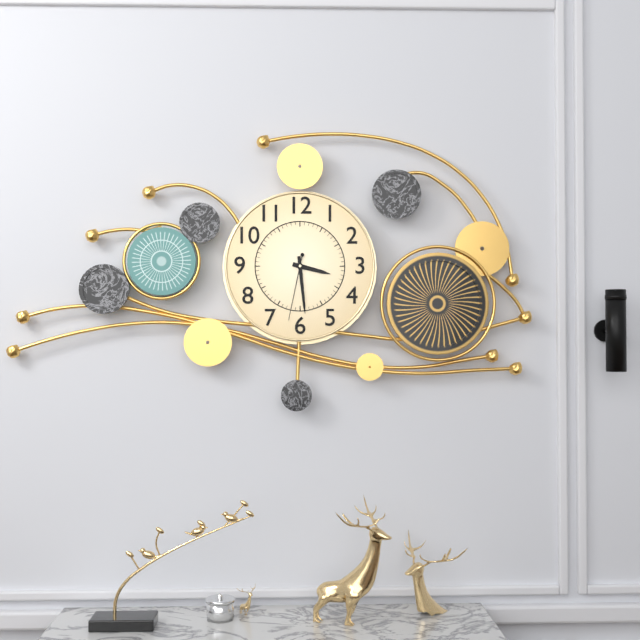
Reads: h=3 m=29 s=32
